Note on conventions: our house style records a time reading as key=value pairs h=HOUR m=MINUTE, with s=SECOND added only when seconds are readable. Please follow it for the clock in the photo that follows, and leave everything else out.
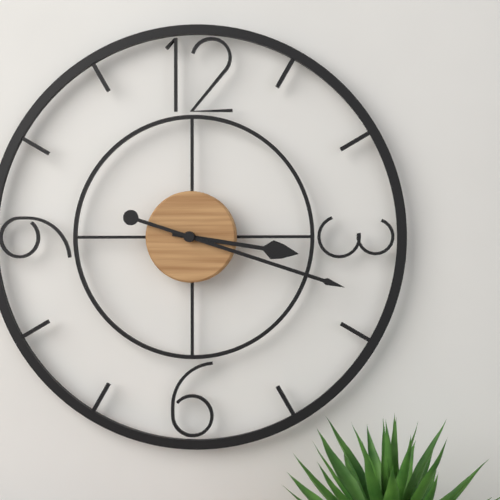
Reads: h=3 m=18
